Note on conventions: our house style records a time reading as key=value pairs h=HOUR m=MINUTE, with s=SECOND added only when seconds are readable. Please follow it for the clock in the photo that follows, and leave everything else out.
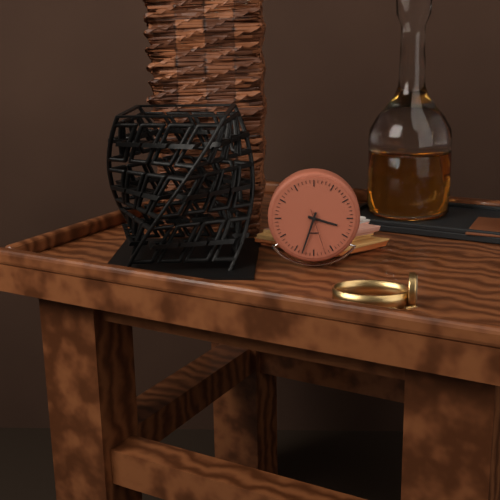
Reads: h=3 m=33
